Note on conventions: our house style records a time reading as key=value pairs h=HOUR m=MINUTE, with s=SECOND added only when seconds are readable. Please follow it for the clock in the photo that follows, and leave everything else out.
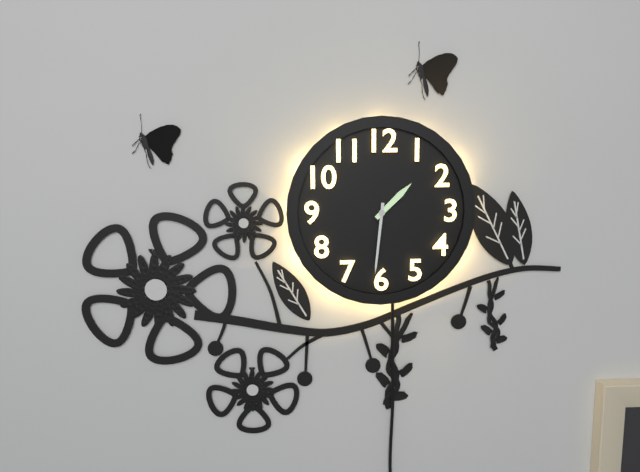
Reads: h=1 m=31
